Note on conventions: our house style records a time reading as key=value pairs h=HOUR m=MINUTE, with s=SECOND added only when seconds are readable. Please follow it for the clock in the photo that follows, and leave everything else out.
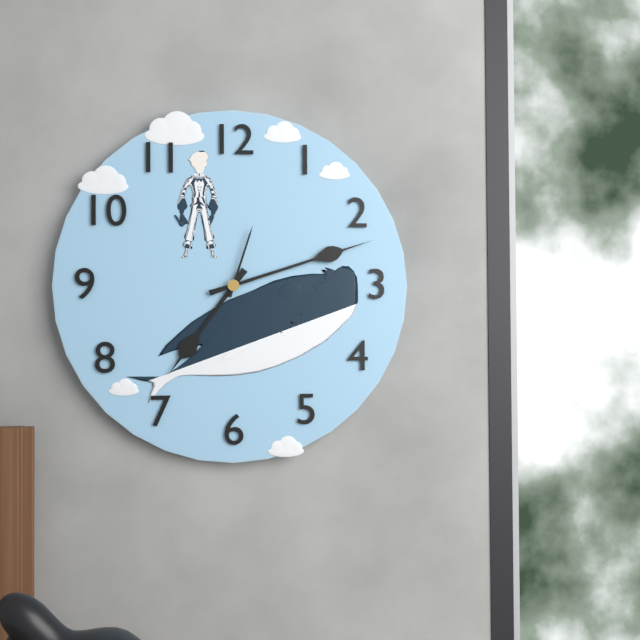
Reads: h=7 m=12 s=3
